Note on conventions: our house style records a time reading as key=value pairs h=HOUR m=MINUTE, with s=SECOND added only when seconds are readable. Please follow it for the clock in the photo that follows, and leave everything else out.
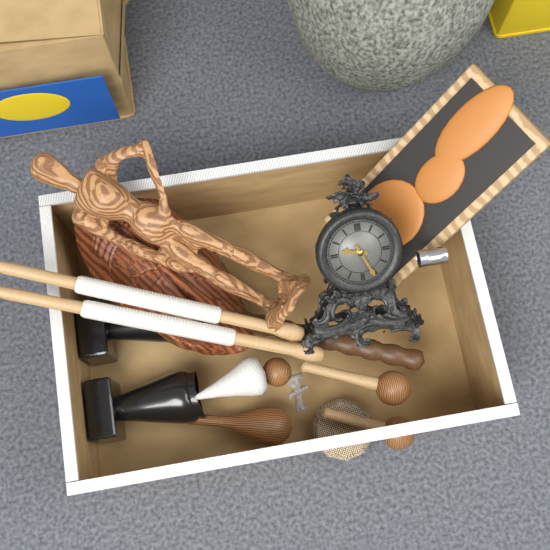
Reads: h=9 m=26
